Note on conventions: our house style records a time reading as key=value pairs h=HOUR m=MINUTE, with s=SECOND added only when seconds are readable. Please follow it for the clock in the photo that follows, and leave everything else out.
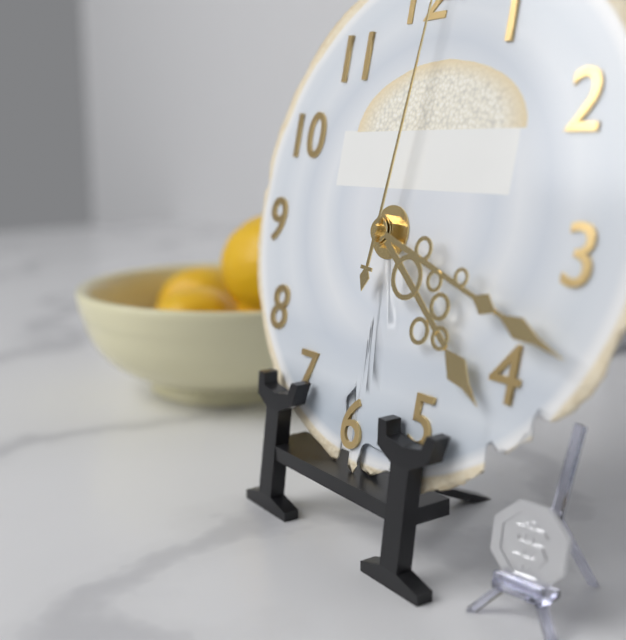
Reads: h=4 m=18
